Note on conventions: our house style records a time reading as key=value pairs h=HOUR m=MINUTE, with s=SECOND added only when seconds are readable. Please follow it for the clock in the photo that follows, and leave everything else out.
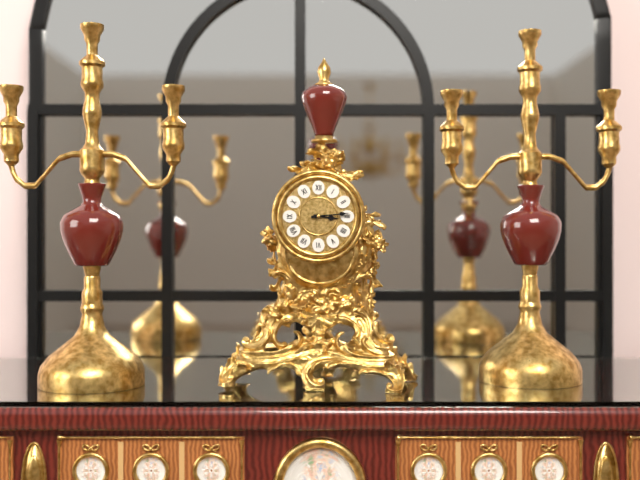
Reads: h=3 m=14
